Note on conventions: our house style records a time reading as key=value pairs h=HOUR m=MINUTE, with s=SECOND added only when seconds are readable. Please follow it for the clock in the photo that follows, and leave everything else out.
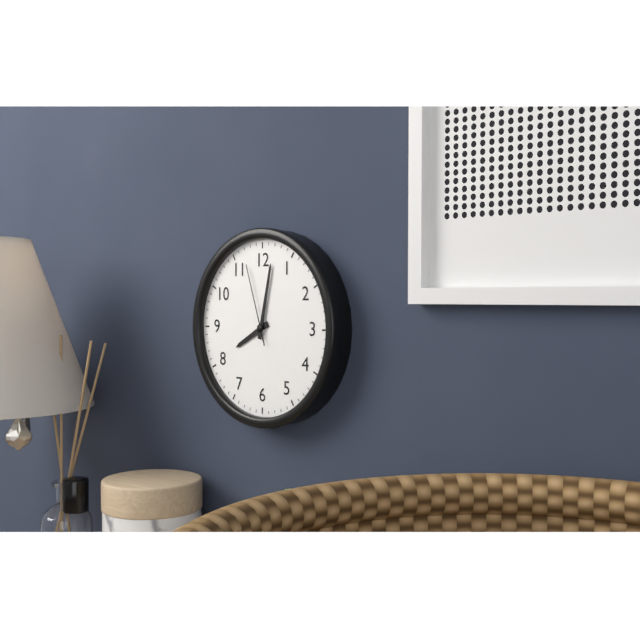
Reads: h=8 m=2 s=57
